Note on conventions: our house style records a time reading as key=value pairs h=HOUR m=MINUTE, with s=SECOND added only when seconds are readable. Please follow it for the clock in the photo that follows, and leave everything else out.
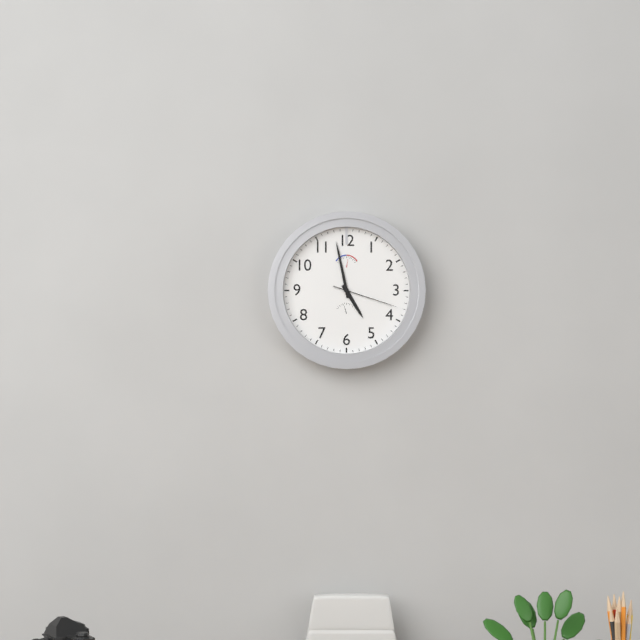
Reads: h=4 m=58 s=18
